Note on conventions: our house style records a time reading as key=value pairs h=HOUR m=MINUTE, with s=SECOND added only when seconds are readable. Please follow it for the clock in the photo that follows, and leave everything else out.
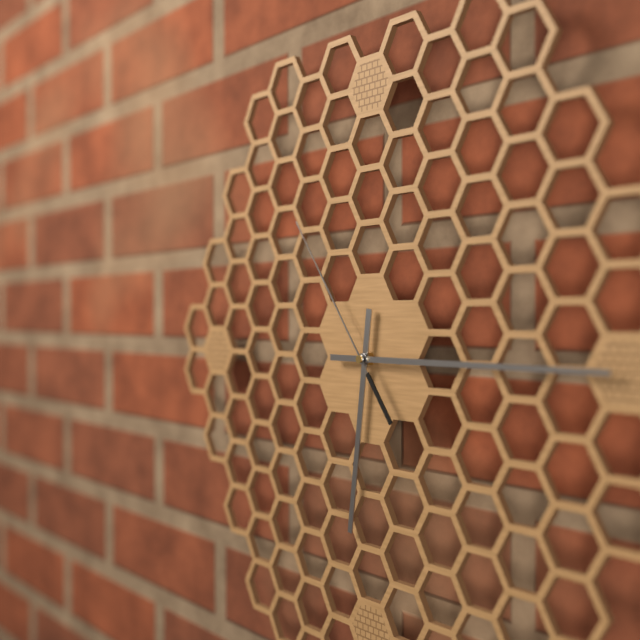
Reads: h=6 m=15 s=54
